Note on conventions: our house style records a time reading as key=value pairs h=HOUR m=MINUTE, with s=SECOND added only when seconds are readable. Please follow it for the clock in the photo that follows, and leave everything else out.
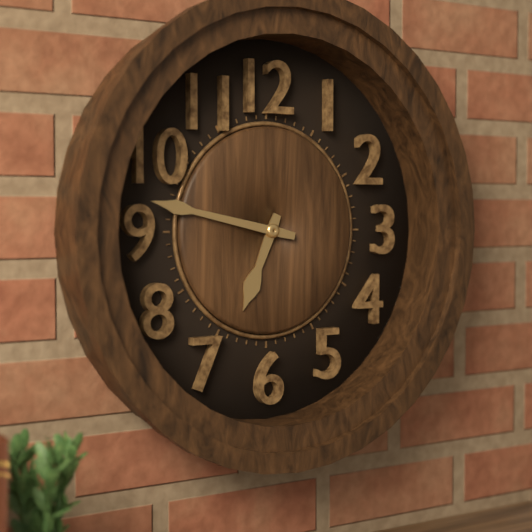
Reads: h=6 m=47
